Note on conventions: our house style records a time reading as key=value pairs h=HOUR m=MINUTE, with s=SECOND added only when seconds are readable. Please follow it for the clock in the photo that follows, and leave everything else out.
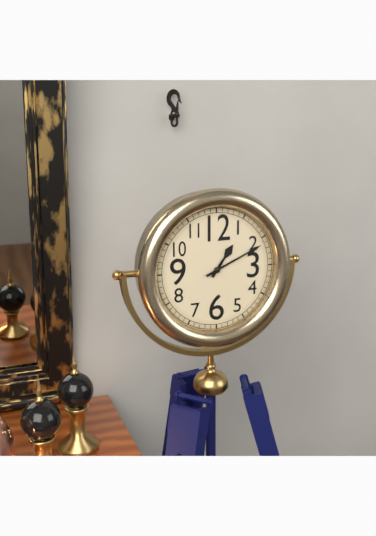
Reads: h=1 m=11
